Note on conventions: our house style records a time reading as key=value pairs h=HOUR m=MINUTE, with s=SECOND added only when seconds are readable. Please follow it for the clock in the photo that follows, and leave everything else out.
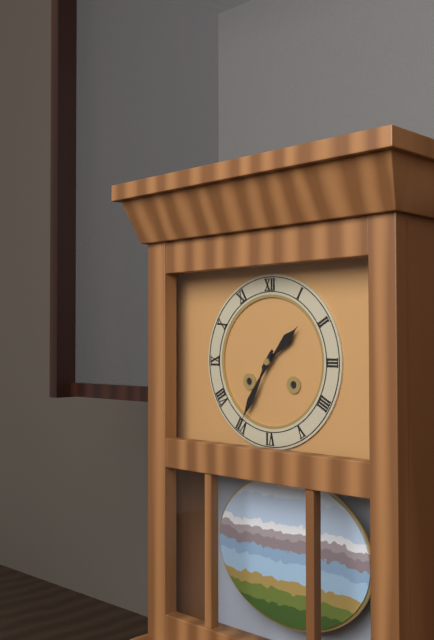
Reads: h=1 m=35
